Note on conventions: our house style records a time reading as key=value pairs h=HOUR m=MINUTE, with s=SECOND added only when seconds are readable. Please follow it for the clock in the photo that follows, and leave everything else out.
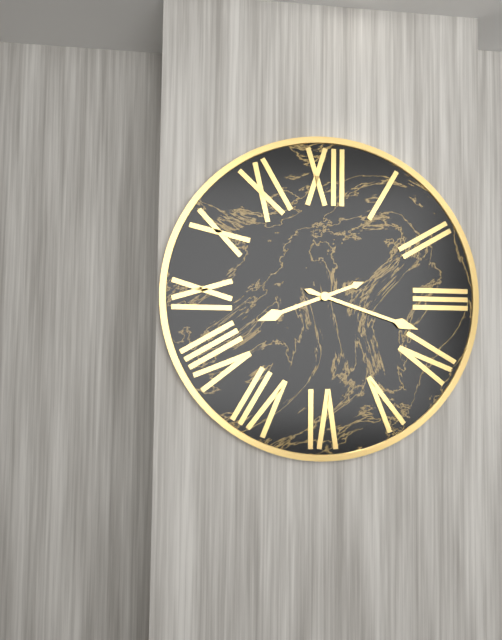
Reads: h=8 m=18
